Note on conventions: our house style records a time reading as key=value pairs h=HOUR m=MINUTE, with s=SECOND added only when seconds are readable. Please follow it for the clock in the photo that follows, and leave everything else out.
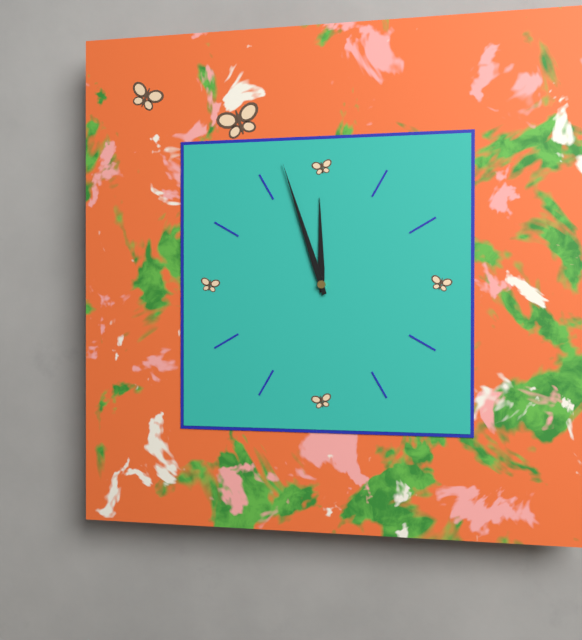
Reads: h=11 m=57
